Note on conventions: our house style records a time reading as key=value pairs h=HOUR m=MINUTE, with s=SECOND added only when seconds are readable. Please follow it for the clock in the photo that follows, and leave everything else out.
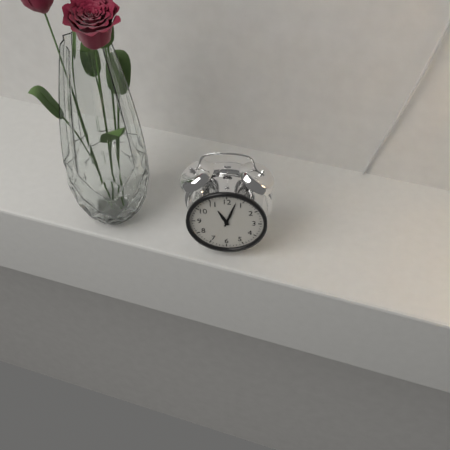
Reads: h=11 m=3
